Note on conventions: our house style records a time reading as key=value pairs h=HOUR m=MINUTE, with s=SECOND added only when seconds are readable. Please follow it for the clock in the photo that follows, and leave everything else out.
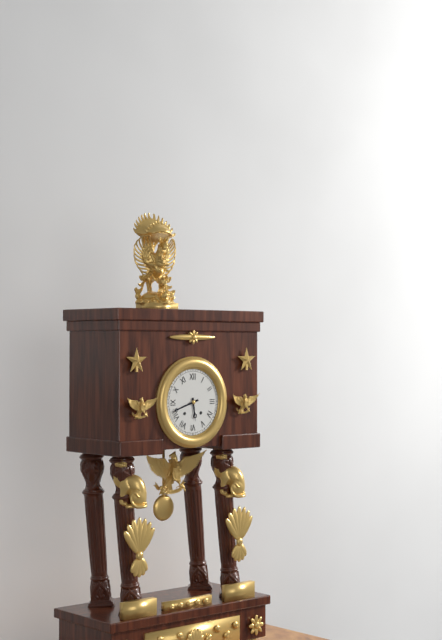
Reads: h=5 m=42
